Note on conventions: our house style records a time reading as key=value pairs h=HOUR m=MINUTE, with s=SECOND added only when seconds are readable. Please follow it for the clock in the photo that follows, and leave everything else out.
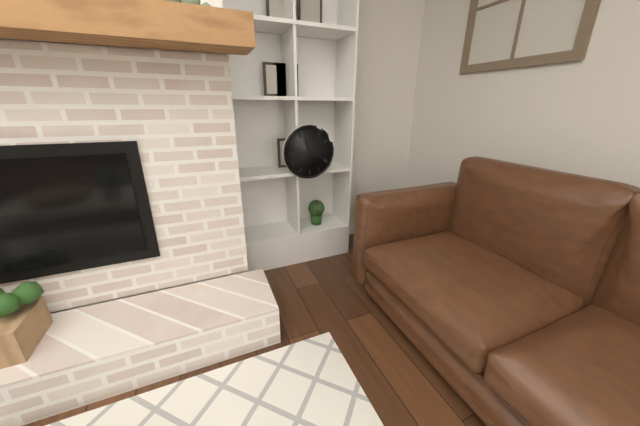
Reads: h=11 m=19
